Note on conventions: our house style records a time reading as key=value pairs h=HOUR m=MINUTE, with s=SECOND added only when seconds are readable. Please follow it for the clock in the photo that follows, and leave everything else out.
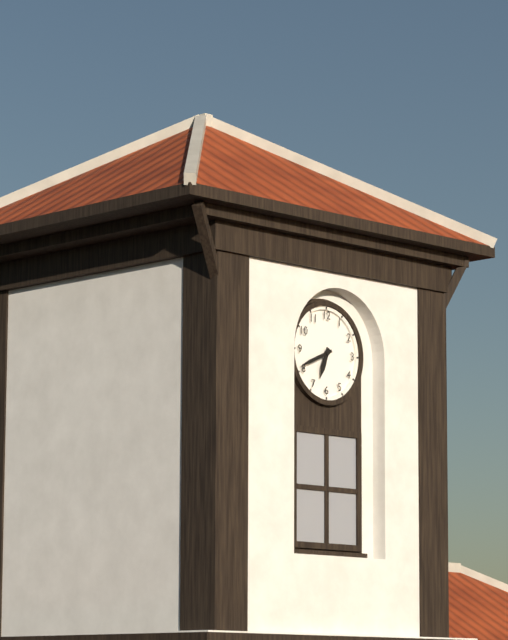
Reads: h=6 m=41
